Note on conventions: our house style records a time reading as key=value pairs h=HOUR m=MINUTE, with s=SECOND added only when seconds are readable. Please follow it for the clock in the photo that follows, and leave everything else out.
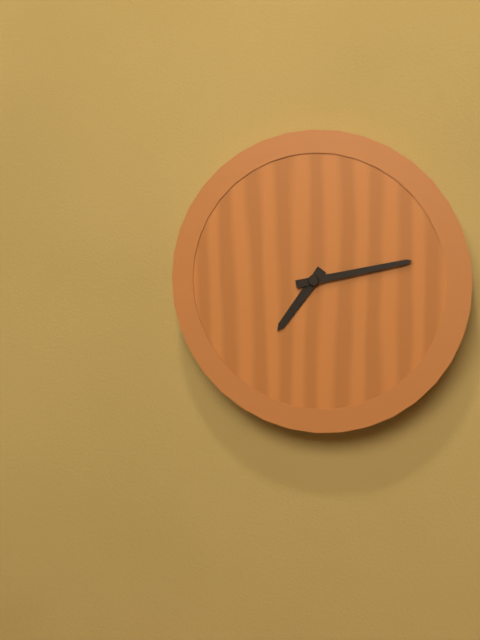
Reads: h=7 m=13
